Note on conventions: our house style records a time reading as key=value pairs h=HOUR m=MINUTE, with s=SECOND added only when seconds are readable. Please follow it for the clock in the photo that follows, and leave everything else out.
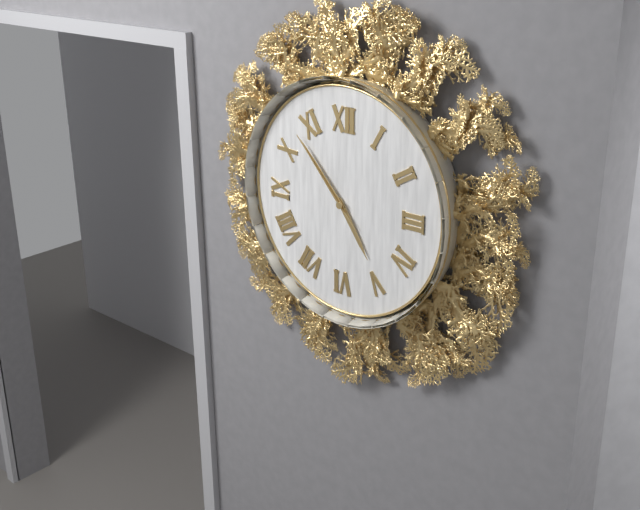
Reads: h=4 m=53 s=53
